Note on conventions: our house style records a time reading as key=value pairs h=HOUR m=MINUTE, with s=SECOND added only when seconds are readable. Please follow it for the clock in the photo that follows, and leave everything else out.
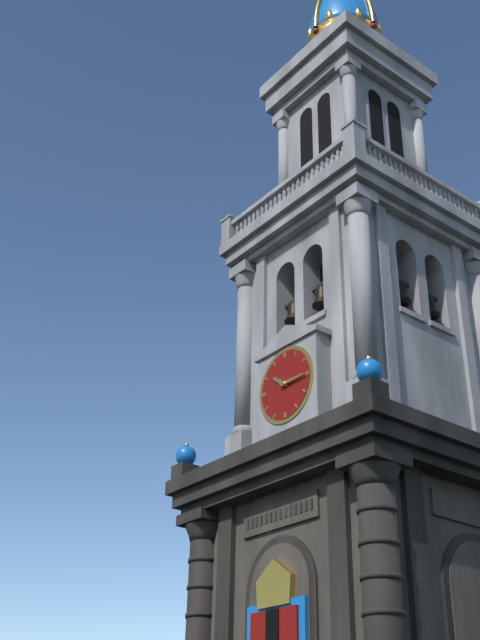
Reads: h=10 m=15
